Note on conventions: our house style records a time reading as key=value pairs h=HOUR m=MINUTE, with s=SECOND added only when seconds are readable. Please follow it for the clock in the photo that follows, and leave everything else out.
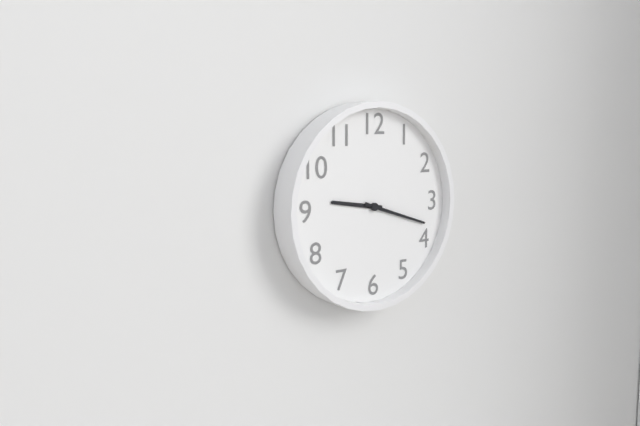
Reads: h=9 m=18
